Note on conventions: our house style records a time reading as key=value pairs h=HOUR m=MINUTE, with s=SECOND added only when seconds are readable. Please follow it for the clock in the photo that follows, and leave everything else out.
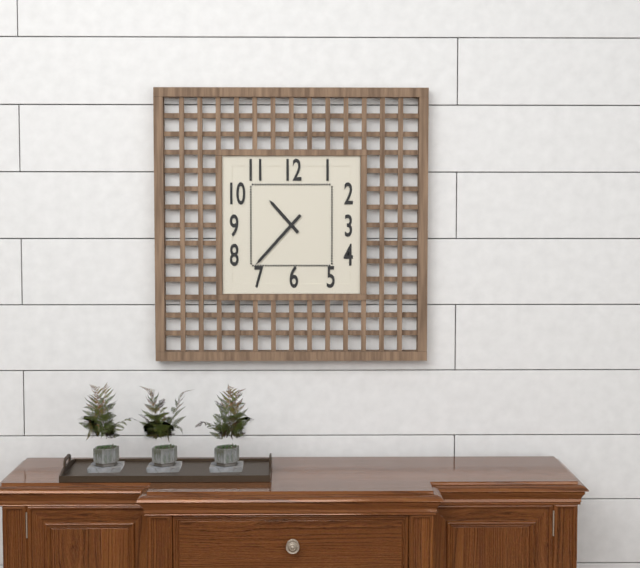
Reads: h=10 m=37
